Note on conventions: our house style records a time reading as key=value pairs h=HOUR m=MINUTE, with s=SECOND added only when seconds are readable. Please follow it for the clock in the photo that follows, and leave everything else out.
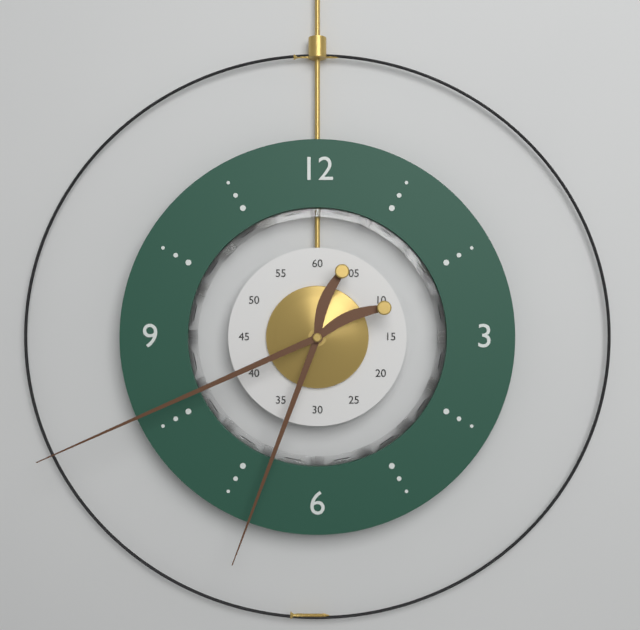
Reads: h=6 m=41
